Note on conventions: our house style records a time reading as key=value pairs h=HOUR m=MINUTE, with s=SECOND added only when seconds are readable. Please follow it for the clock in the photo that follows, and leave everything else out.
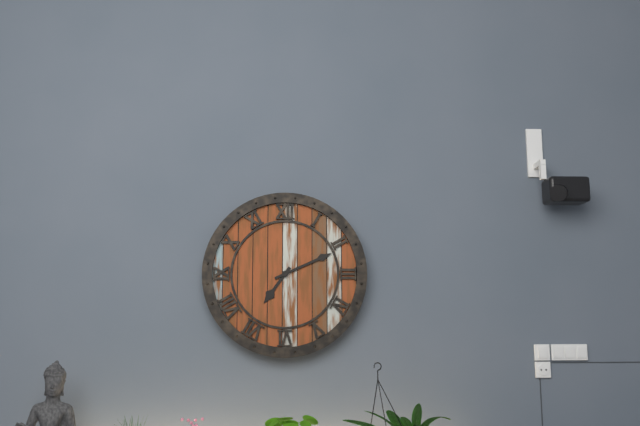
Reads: h=7 m=11
